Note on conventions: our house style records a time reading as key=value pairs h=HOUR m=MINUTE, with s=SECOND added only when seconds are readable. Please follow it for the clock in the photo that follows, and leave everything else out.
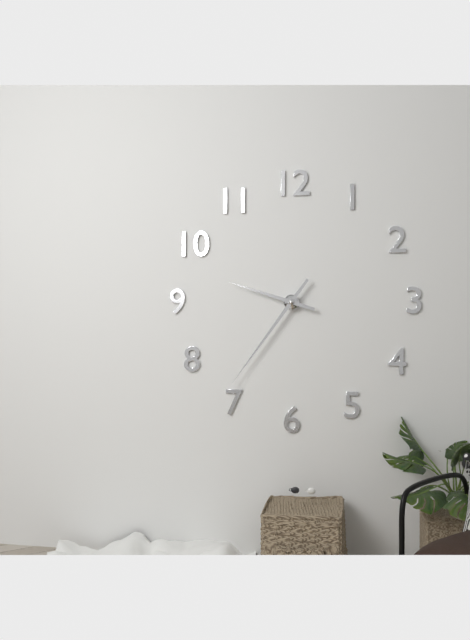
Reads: h=9 m=36
